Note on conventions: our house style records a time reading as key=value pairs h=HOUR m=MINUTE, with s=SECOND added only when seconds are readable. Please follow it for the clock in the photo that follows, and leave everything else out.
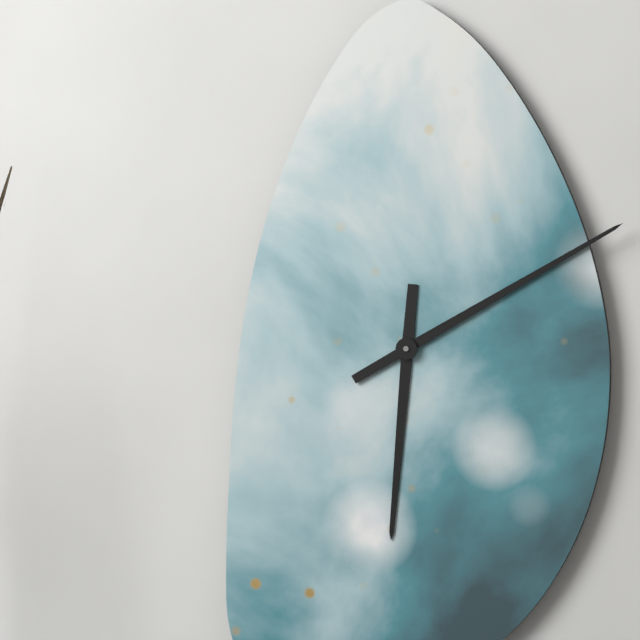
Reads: h=6 m=10
